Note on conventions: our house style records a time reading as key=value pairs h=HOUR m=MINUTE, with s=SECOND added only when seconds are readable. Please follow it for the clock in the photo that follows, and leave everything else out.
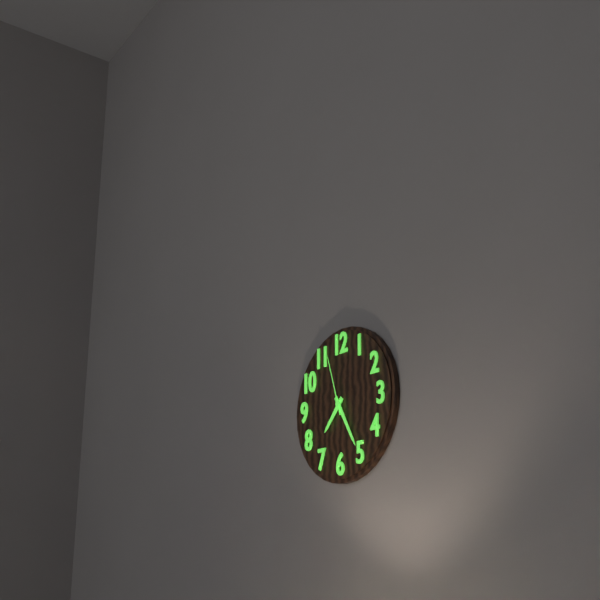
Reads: h=7 m=25 s=57
